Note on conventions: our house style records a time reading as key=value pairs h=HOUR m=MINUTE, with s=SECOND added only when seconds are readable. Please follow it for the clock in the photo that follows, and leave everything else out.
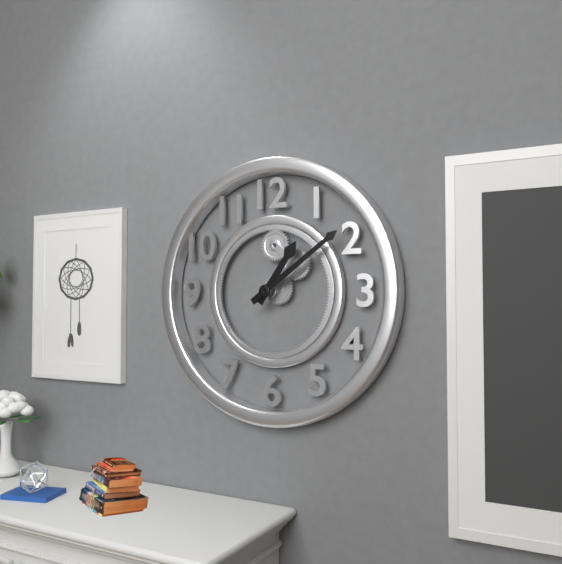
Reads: h=1 m=9
